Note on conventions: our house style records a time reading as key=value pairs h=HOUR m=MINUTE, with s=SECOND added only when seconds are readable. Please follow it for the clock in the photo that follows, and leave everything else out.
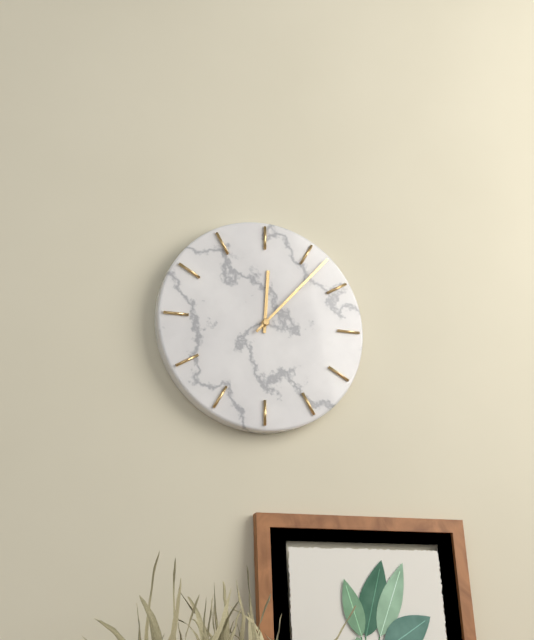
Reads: h=12 m=7
